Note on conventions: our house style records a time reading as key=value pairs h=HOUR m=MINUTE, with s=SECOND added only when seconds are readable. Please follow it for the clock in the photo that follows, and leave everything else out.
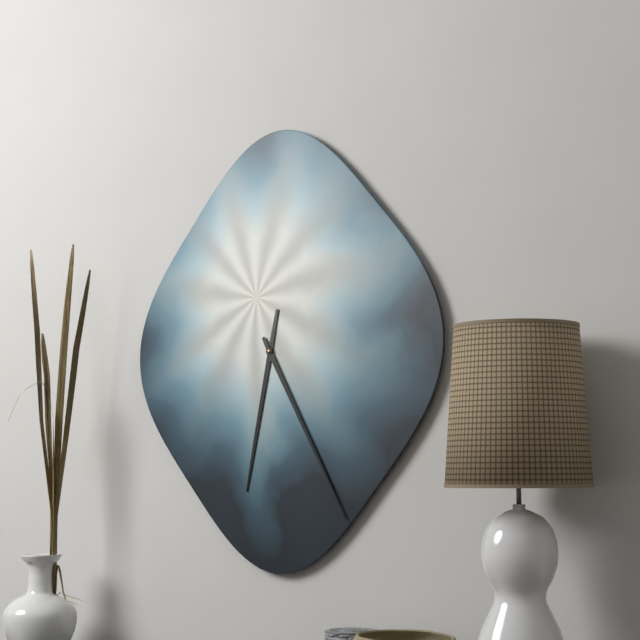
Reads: h=6 m=25
